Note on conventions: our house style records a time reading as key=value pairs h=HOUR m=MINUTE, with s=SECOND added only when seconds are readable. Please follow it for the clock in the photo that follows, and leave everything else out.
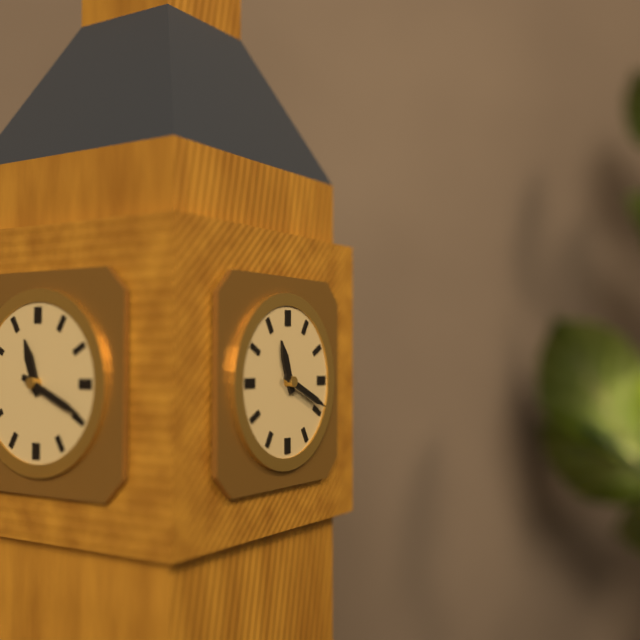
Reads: h=11 m=19
